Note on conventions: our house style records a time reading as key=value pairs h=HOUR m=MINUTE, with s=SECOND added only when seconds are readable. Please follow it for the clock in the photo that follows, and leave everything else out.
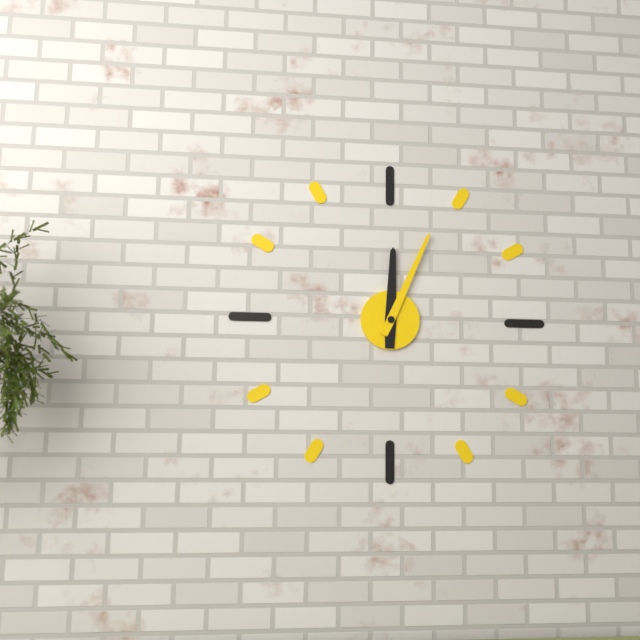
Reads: h=12 m=4
